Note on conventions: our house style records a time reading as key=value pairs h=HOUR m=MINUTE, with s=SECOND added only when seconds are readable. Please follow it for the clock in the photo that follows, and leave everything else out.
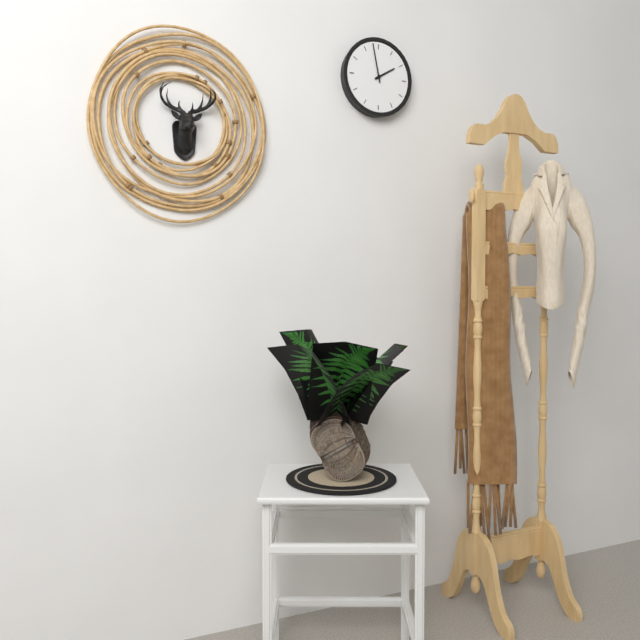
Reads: h=1 m=58
